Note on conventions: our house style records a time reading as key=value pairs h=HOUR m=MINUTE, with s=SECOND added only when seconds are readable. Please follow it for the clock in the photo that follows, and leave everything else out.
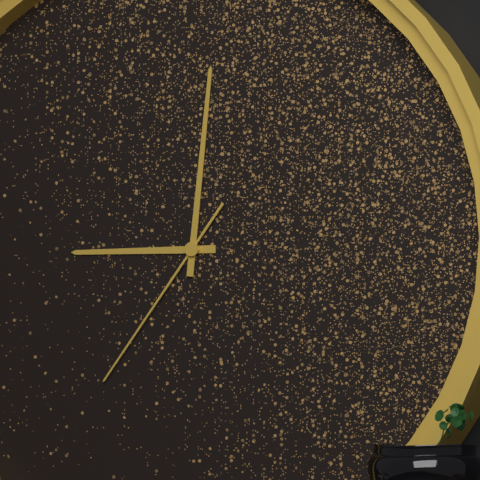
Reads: h=9 m=1 s=36
